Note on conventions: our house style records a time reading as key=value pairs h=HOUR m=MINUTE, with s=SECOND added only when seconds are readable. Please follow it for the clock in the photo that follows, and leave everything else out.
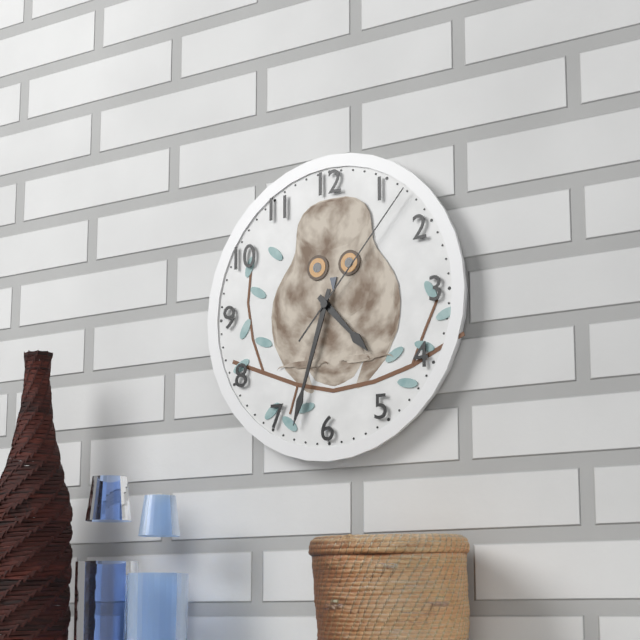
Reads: h=4 m=33 s=7
